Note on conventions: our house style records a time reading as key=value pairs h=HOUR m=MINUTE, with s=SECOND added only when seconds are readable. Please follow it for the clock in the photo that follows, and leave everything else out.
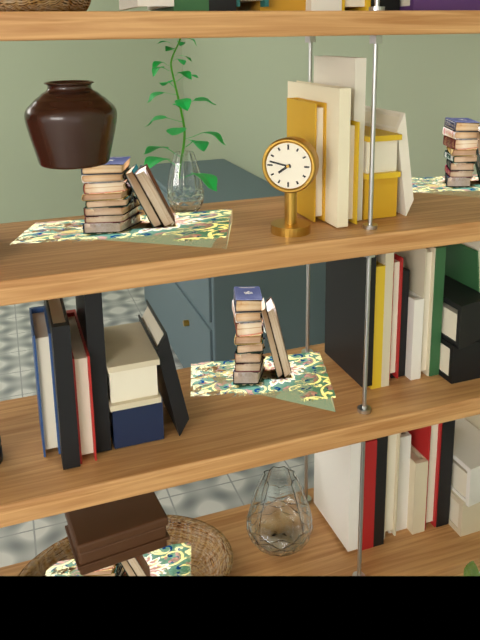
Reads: h=7 m=47
